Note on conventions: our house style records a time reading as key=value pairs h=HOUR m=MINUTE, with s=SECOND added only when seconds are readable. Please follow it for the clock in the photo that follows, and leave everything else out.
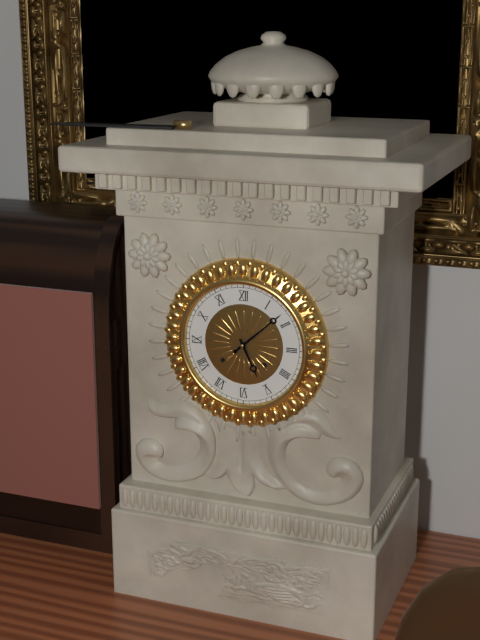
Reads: h=5 m=8
